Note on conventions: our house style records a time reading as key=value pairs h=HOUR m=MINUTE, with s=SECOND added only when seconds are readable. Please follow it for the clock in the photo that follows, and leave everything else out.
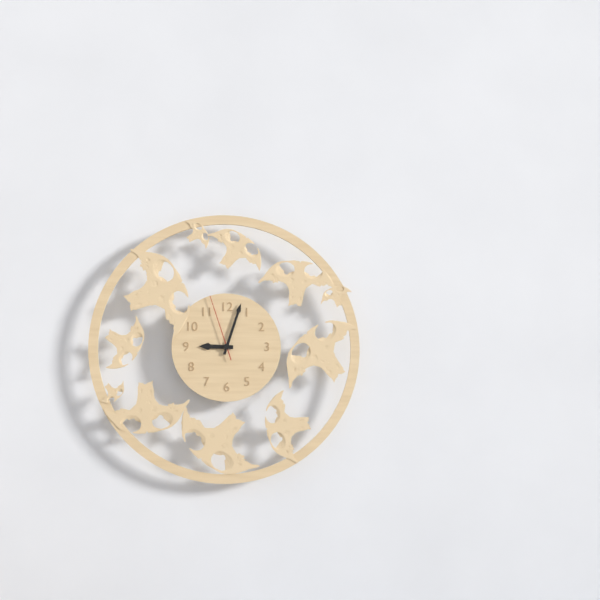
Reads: h=9 m=3 s=57
